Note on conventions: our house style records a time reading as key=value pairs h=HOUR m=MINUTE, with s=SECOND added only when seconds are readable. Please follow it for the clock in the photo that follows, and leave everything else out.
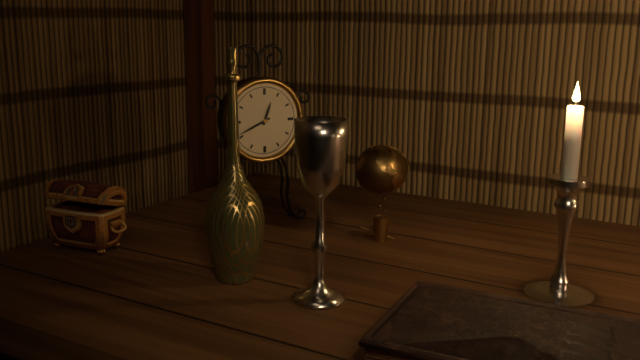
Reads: h=12 m=41
